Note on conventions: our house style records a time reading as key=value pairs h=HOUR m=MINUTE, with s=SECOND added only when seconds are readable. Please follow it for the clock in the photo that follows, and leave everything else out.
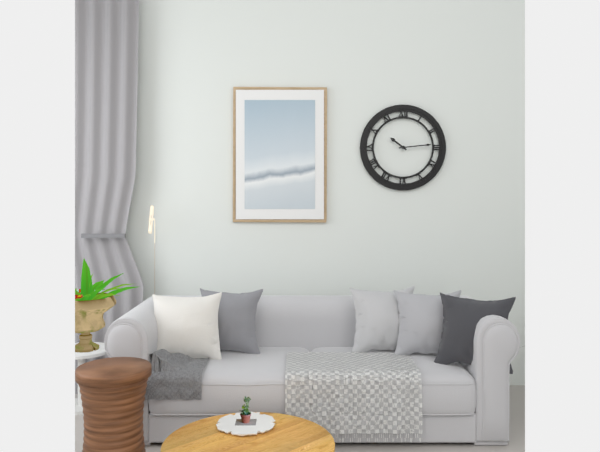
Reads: h=10 m=14
